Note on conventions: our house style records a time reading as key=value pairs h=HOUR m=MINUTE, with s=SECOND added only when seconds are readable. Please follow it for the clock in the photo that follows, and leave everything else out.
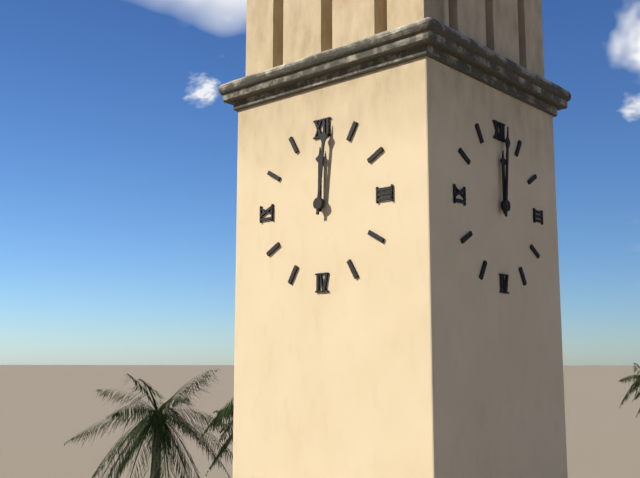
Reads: h=12 m=1
